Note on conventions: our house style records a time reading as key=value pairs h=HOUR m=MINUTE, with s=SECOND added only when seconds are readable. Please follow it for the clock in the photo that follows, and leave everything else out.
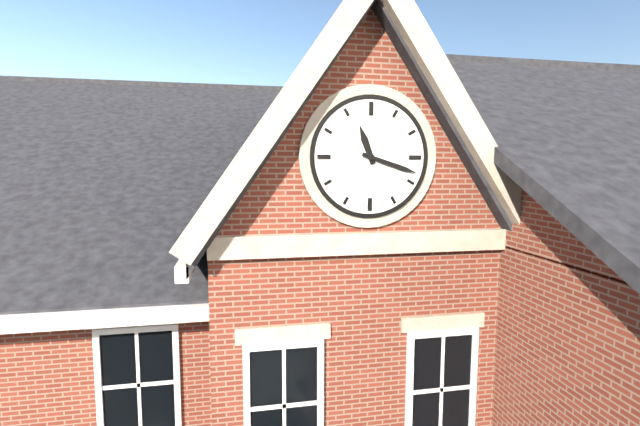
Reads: h=11 m=18
